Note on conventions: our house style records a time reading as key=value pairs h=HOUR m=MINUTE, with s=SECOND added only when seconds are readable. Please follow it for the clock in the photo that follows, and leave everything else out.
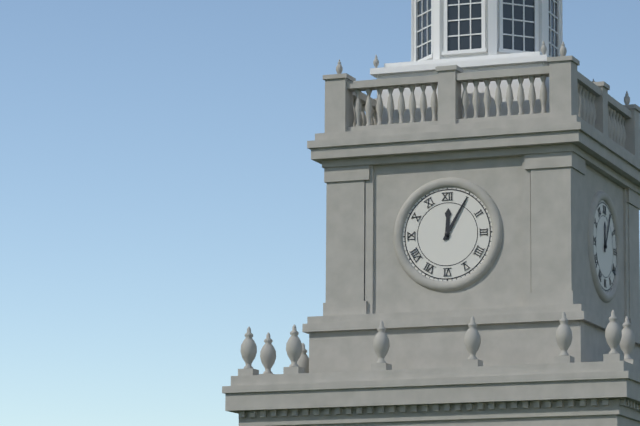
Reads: h=12 m=5
